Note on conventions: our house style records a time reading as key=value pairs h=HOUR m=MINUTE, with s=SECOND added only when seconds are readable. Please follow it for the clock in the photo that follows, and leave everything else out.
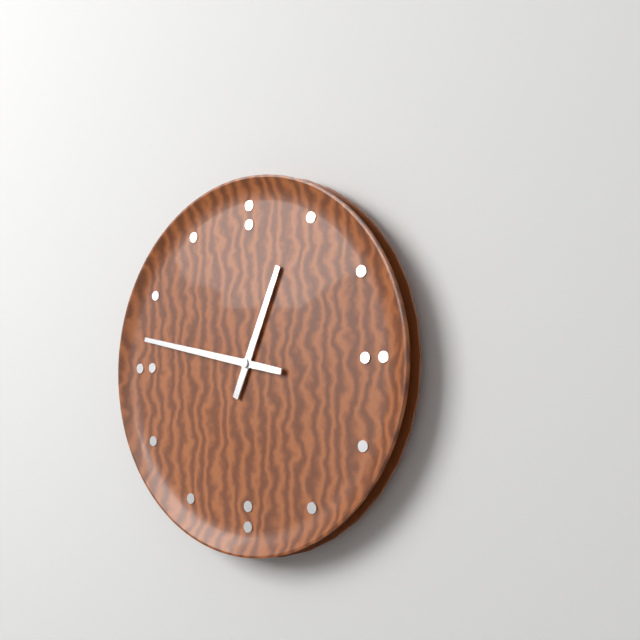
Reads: h=12 m=47
